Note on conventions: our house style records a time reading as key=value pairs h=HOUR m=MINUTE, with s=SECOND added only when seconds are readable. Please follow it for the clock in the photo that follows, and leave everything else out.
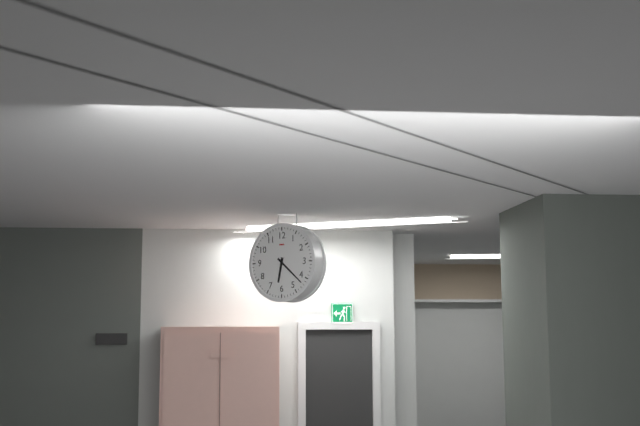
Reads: h=6 m=22
